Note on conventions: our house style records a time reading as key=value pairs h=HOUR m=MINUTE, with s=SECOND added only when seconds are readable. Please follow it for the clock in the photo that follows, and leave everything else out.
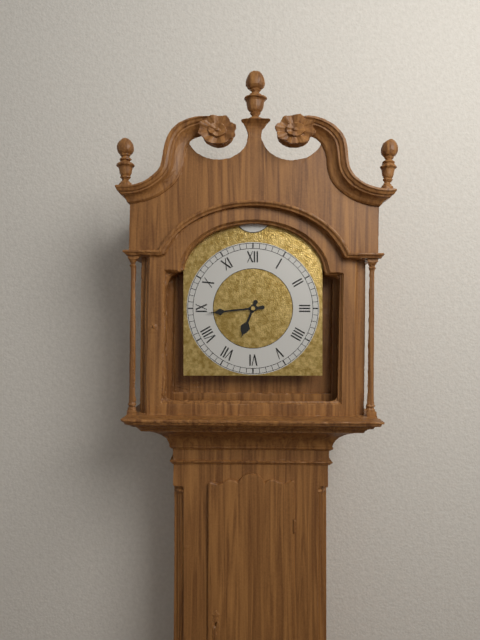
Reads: h=6 m=44
